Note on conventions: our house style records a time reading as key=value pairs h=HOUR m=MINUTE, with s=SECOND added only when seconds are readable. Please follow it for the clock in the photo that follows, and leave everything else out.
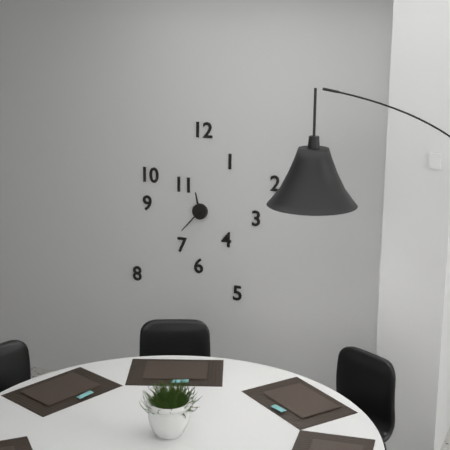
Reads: h=11 m=37
